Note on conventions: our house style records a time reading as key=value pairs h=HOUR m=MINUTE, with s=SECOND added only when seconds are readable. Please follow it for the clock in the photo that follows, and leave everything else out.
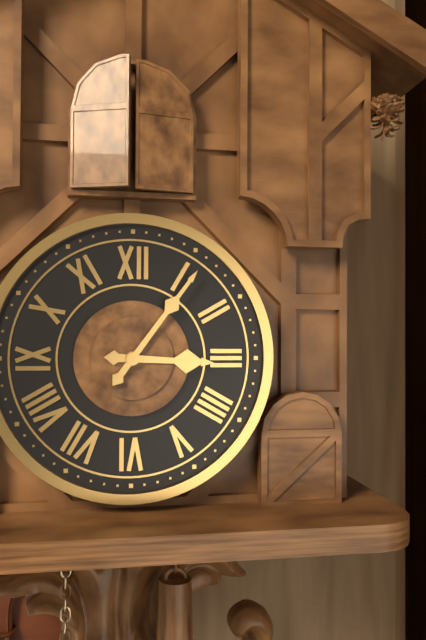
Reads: h=3 m=6
